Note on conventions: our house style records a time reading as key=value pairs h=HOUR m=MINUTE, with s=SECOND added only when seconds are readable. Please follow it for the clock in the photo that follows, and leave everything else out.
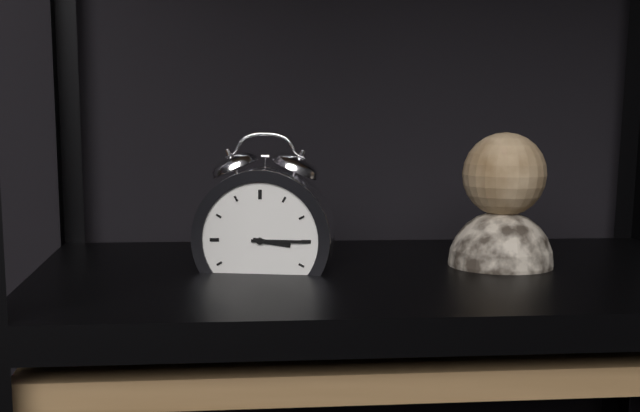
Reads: h=3 m=15
